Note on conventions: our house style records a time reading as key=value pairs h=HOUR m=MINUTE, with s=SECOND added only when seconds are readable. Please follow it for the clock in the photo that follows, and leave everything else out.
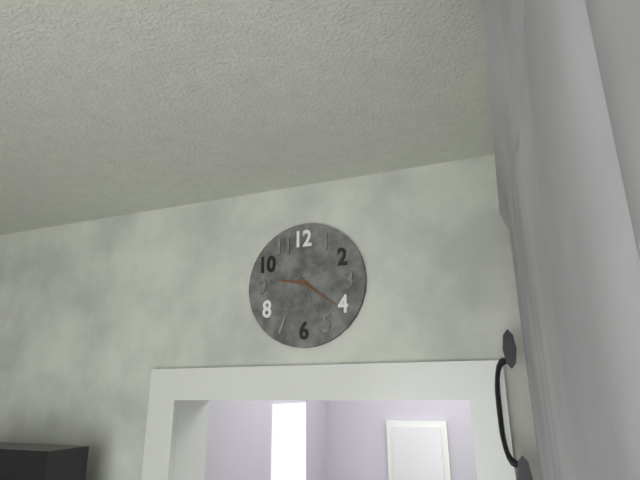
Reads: h=9 m=21
